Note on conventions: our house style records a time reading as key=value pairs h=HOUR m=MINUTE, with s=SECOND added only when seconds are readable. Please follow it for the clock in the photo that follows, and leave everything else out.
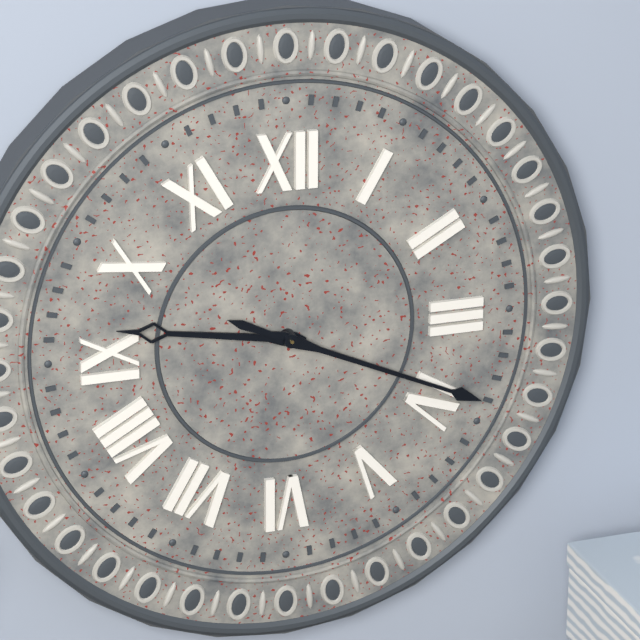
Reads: h=9 m=19
